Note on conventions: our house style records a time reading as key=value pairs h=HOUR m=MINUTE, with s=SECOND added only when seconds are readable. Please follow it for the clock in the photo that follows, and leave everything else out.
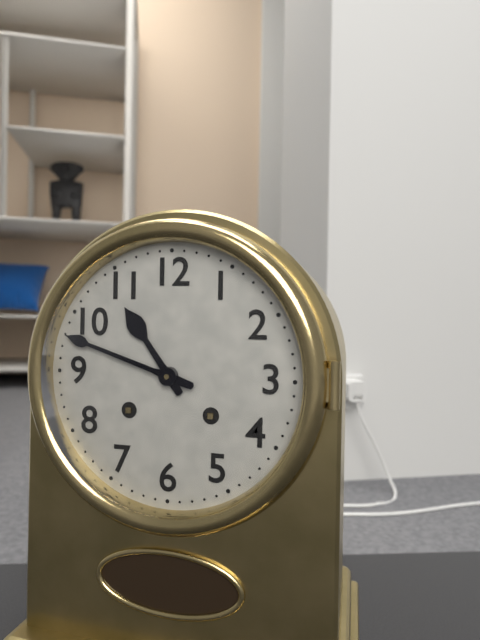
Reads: h=10 m=48
